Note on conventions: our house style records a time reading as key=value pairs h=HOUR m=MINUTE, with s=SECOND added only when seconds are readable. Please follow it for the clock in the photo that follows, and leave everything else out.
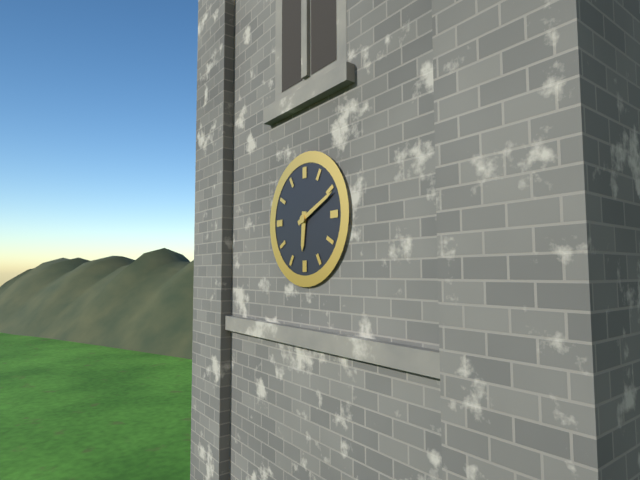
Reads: h=6 m=11
